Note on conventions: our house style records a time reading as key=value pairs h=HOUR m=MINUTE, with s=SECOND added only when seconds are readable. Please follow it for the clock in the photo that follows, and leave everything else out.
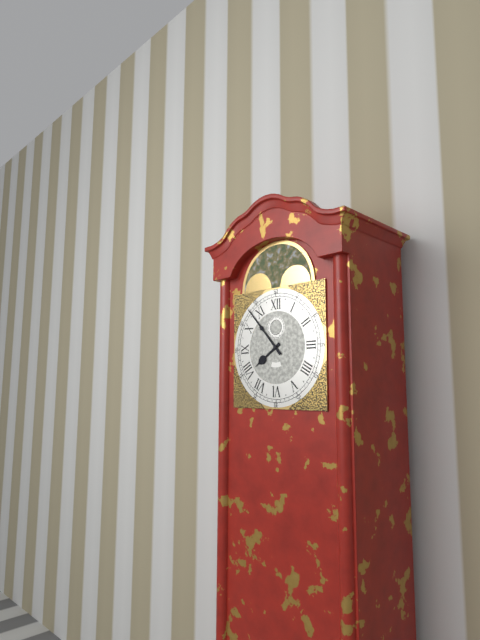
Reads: h=7 m=53
